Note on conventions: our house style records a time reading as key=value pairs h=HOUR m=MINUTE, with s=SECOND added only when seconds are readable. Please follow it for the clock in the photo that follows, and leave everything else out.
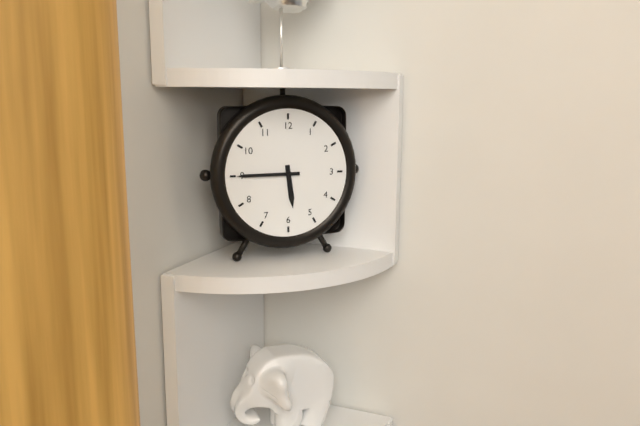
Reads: h=5 m=45
